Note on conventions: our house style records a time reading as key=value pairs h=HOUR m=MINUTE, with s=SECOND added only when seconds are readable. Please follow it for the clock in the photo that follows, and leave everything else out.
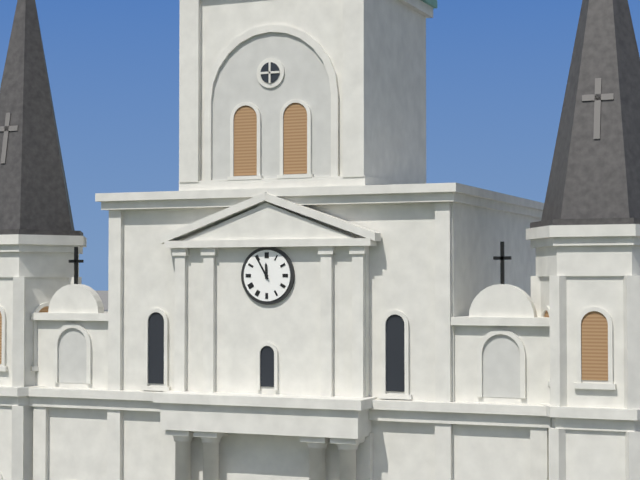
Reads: h=11 m=55
